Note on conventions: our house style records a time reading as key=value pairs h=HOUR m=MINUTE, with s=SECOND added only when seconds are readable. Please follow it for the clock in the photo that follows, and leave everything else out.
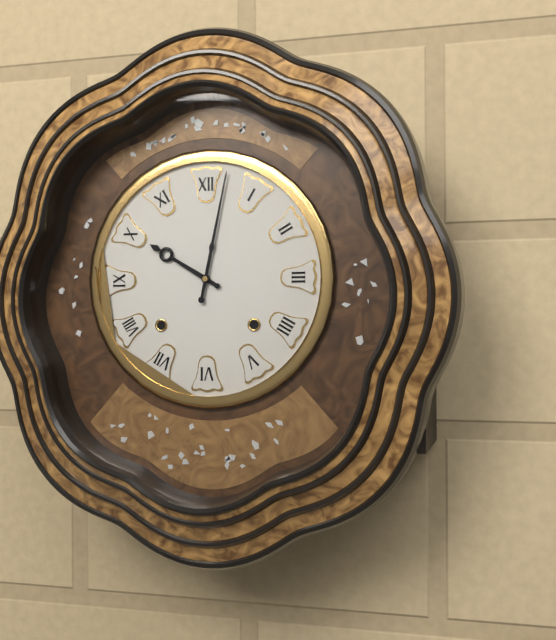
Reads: h=10 m=2
